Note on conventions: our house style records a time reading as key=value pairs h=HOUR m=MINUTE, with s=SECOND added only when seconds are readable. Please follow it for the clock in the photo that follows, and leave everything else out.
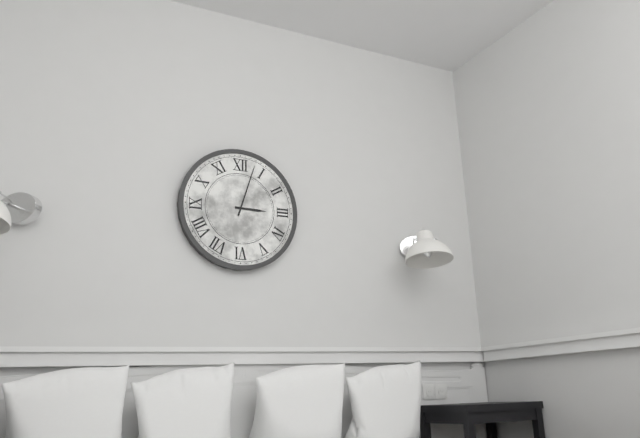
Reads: h=3 m=3
